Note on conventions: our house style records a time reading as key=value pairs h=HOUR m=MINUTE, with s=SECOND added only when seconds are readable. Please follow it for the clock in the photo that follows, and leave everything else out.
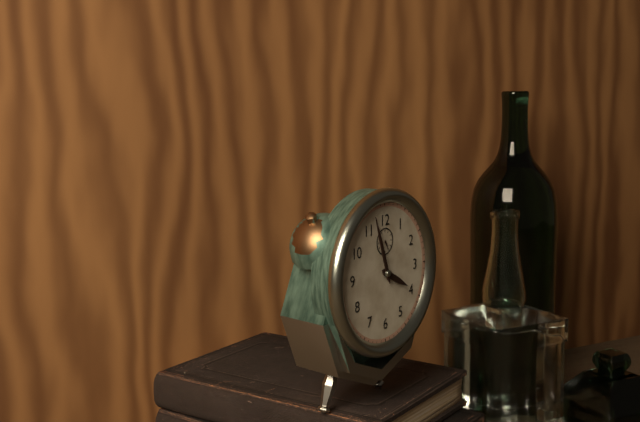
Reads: h=3 m=57
